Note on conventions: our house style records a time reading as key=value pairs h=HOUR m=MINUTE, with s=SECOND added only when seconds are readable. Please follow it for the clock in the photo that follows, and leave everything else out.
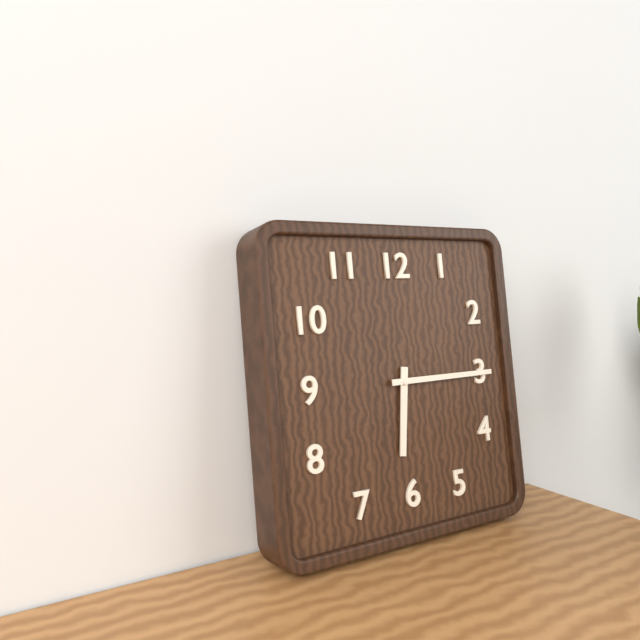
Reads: h=6 m=15
